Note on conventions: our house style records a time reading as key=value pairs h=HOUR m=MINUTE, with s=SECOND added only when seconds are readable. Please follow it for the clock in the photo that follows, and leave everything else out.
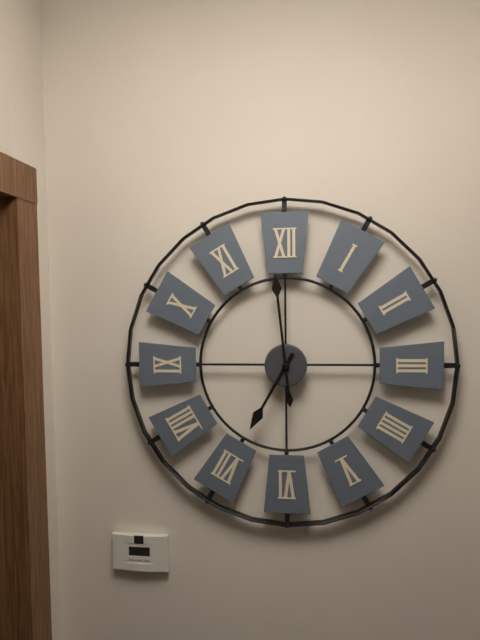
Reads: h=6 m=59
